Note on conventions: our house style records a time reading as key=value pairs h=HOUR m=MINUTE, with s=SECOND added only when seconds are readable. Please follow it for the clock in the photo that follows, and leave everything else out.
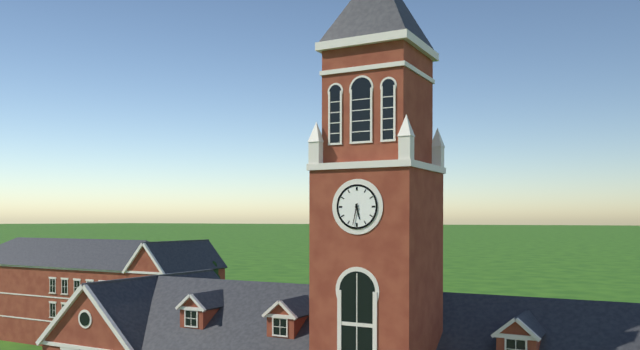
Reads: h=5 m=32
